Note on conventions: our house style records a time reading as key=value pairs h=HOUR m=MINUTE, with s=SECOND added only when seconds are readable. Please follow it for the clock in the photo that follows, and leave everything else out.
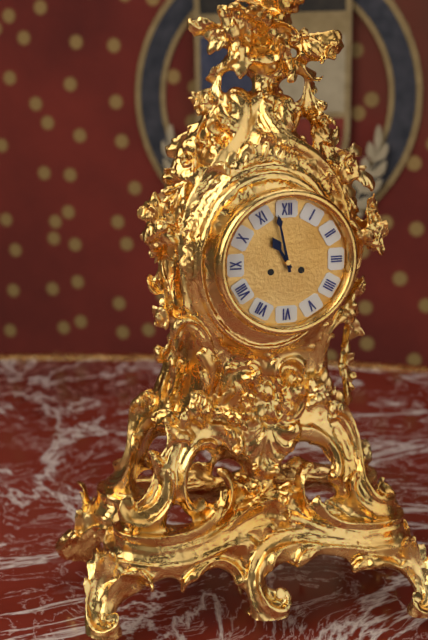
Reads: h=10 m=58
